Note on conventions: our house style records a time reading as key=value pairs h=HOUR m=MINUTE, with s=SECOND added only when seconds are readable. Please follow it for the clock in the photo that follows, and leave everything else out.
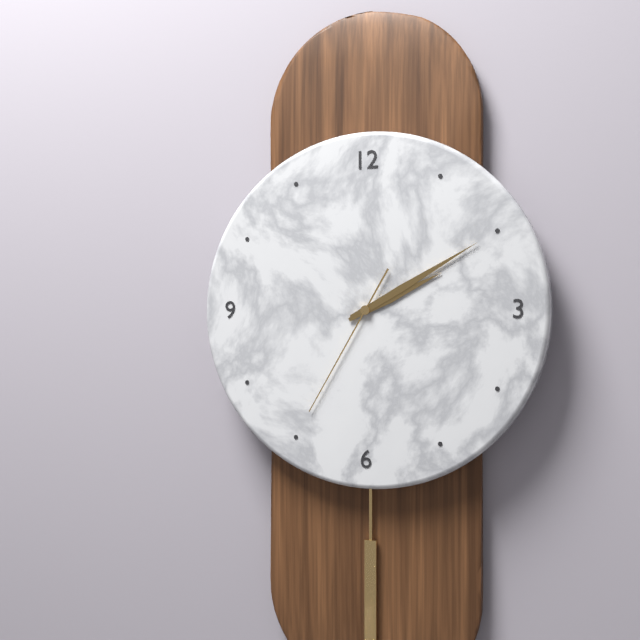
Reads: h=2 m=10 s=35
